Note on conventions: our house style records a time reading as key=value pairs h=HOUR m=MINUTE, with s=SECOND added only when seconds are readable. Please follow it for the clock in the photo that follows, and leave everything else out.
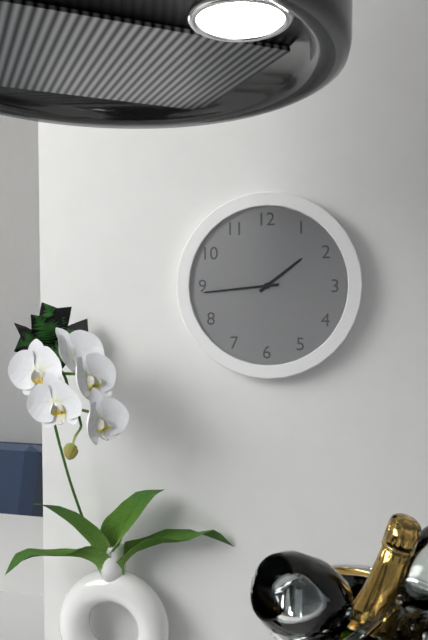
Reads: h=1 m=44
